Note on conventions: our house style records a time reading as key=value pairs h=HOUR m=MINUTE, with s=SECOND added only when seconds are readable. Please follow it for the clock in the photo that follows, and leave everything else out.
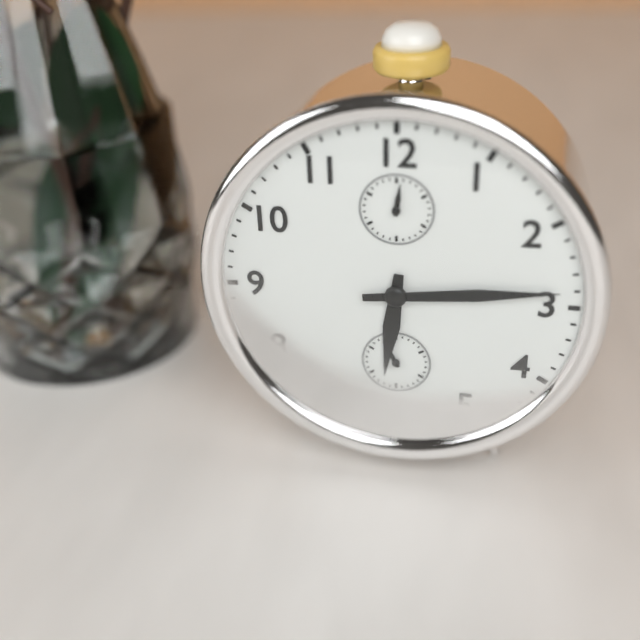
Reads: h=6 m=14
